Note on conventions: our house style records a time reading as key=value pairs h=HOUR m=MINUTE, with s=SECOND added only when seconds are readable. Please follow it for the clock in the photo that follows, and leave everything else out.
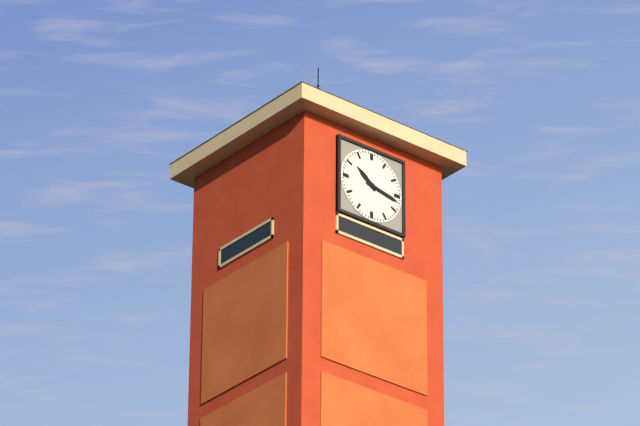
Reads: h=10 m=17
